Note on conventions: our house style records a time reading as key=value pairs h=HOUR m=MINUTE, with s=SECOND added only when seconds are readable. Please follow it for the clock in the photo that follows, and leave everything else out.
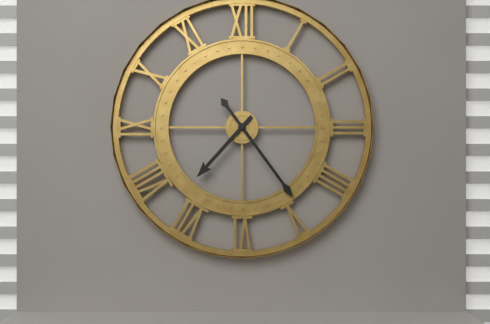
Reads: h=7 m=24
